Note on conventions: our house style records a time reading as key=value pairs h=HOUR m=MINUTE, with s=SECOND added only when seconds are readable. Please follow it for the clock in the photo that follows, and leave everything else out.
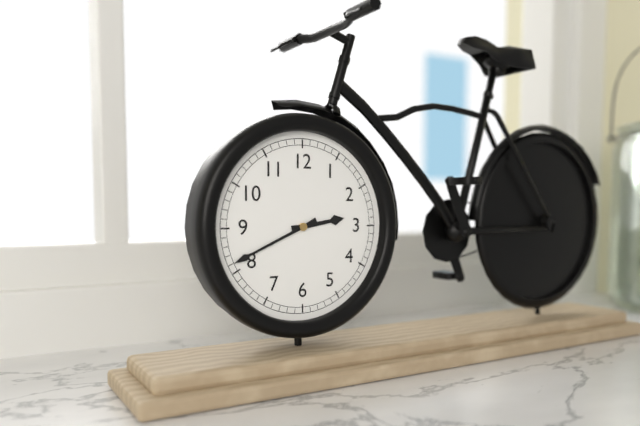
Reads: h=2 m=41
